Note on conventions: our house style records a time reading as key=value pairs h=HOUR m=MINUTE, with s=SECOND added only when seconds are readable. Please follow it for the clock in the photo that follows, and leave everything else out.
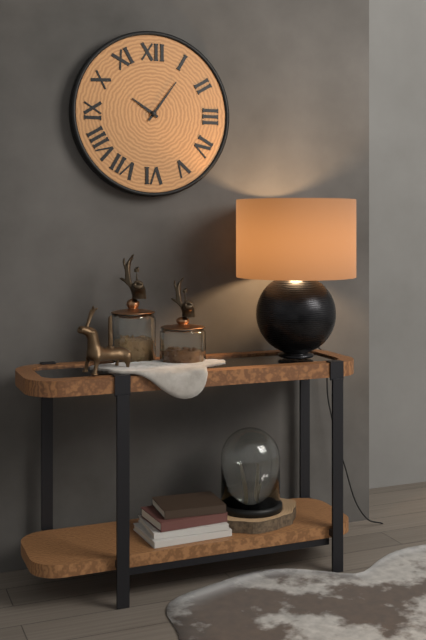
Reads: h=10 m=6
